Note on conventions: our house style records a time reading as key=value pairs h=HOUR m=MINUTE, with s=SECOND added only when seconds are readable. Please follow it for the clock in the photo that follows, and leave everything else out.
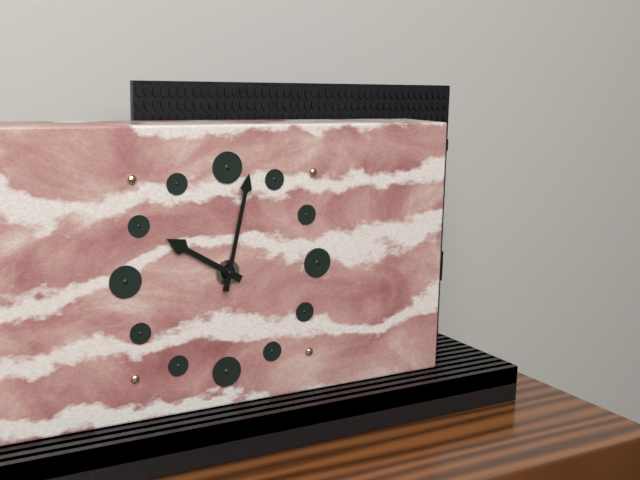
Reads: h=10 m=2
